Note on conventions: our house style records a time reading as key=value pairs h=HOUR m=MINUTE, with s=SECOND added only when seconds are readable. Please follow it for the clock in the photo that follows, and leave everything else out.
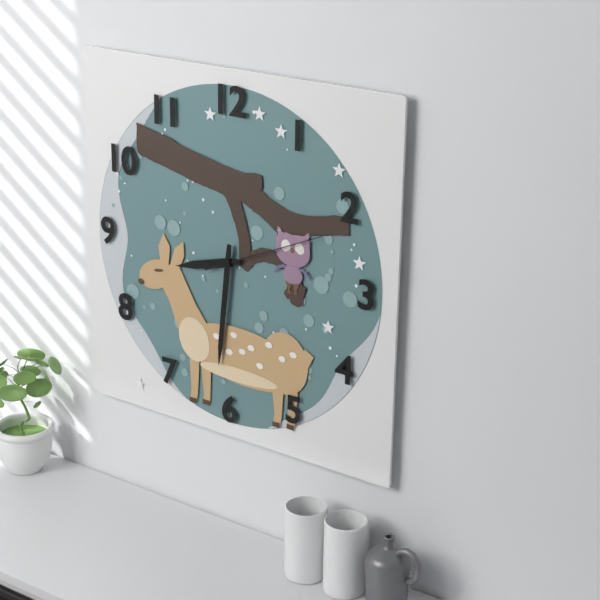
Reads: h=8 m=31 s=11
